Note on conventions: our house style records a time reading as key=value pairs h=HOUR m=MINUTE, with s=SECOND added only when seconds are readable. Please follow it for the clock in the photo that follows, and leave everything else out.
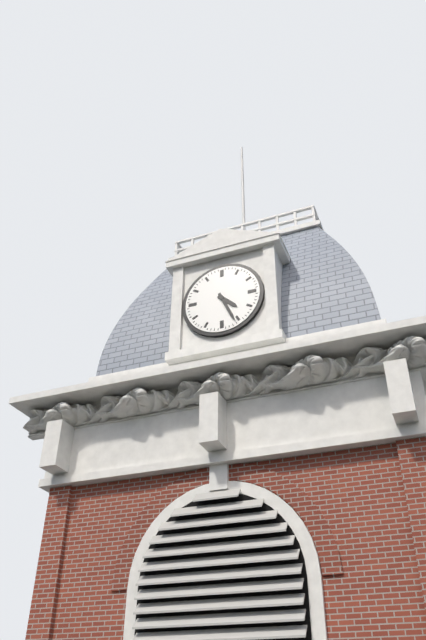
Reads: h=4 m=26
